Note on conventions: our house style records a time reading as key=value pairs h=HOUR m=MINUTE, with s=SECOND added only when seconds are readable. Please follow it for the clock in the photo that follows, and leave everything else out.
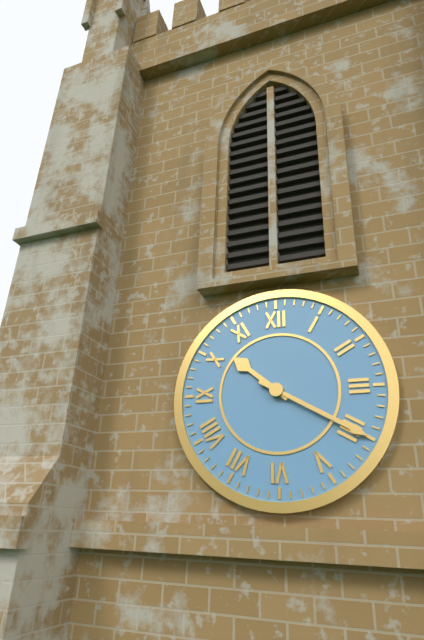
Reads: h=10 m=20
